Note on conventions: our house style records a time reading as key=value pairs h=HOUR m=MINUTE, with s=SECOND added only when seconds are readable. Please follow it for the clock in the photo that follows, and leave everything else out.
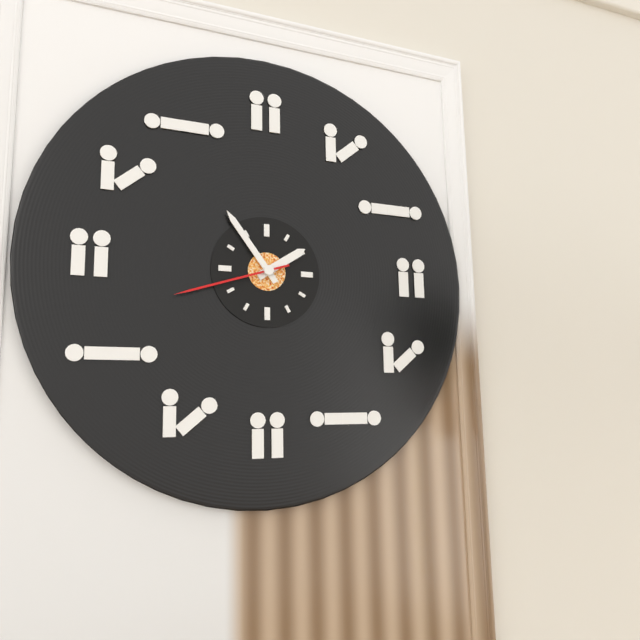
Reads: h=1 m=54 s=42
